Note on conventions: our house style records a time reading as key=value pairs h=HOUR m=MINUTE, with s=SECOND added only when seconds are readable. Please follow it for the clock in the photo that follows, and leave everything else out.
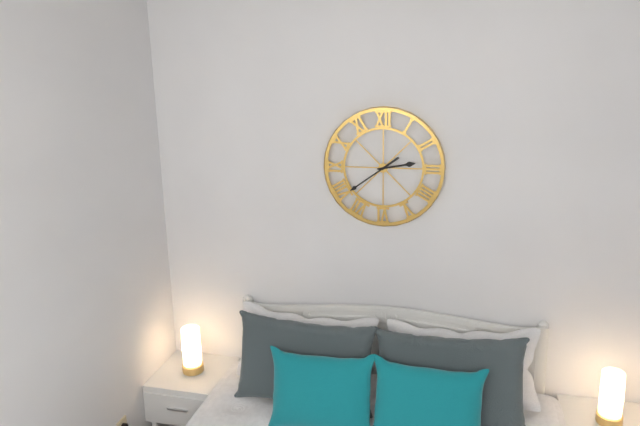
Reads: h=2 m=39
